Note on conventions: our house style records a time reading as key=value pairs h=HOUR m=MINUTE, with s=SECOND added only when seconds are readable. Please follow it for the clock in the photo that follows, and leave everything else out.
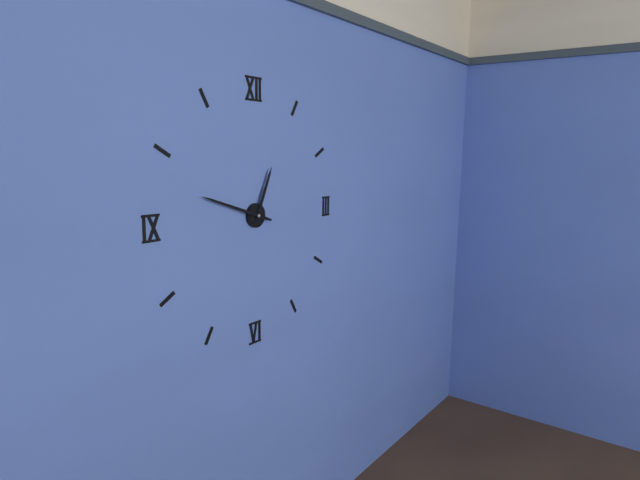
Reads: h=12 m=48
